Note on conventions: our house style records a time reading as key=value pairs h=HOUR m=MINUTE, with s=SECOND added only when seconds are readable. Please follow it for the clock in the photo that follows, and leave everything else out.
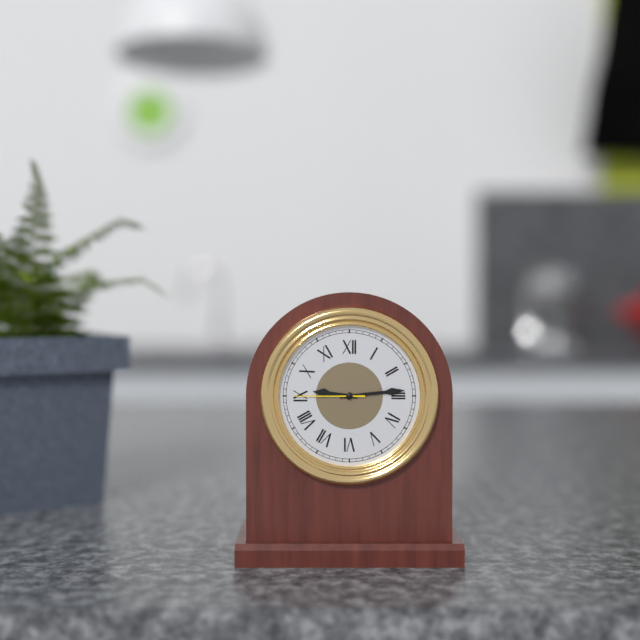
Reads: h=9 m=14 s=45
